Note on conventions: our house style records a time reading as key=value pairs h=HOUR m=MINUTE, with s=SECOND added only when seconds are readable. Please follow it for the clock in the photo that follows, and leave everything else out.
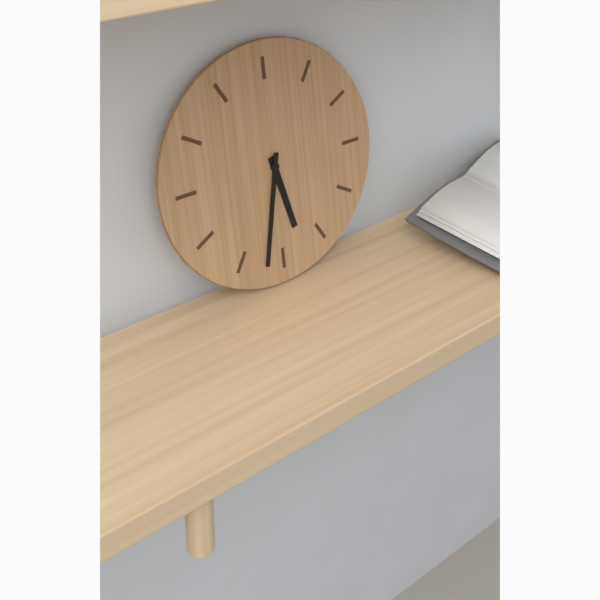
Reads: h=5 m=32
